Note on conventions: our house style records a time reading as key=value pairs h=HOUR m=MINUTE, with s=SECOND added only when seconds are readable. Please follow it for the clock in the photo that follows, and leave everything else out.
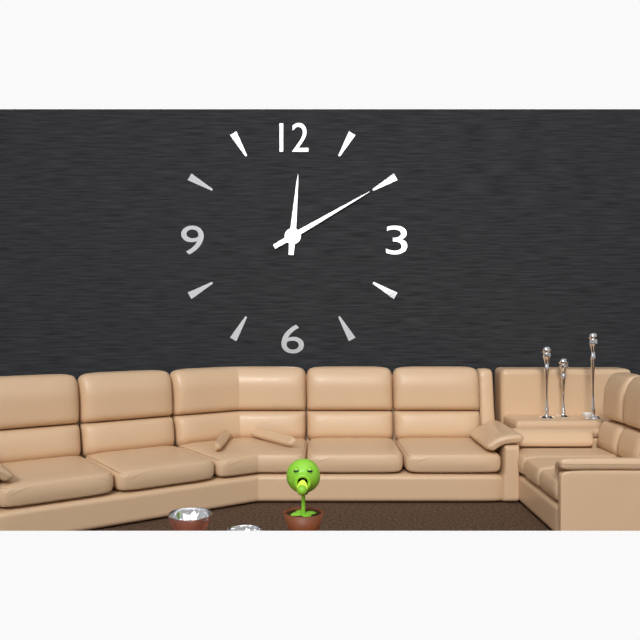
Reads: h=12 m=10
